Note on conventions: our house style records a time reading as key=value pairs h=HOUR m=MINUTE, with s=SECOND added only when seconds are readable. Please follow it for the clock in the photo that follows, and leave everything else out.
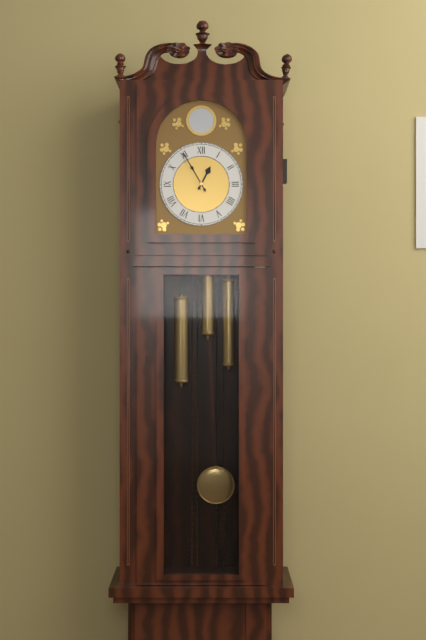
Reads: h=12 m=55
